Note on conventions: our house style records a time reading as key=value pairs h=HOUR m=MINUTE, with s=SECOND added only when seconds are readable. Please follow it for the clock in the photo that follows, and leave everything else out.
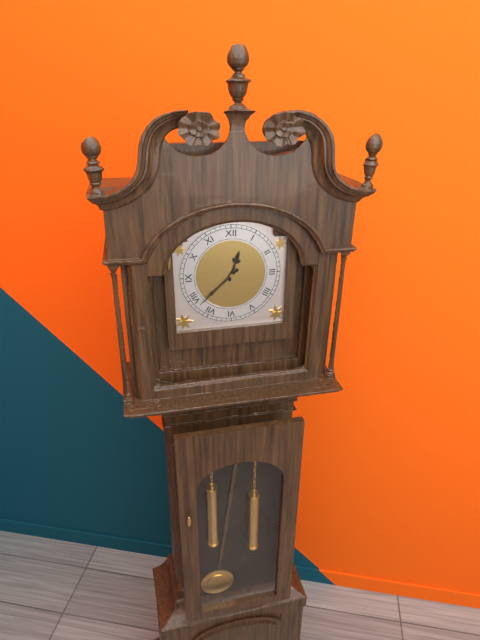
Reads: h=12 m=38
